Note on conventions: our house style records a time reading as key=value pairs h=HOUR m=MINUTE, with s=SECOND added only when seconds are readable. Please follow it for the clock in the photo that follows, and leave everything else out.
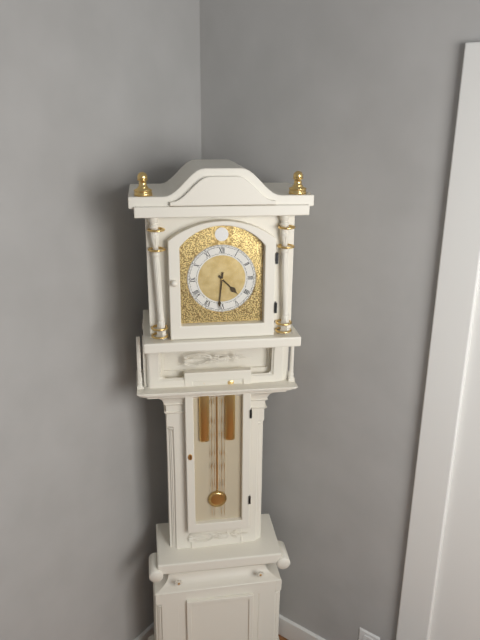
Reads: h=4 m=31
